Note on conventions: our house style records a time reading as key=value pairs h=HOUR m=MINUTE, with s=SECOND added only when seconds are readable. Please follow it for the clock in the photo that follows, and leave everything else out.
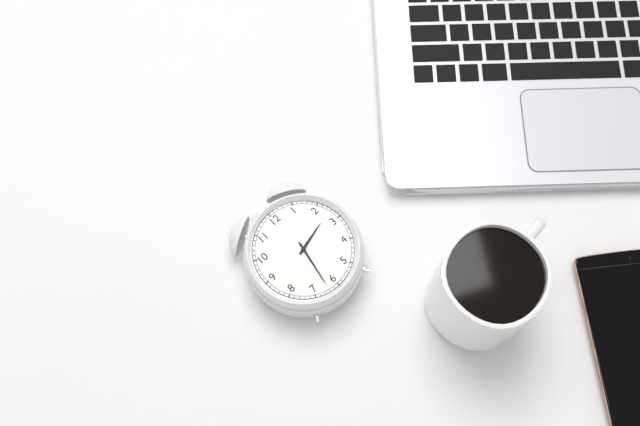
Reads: h=2 m=32
